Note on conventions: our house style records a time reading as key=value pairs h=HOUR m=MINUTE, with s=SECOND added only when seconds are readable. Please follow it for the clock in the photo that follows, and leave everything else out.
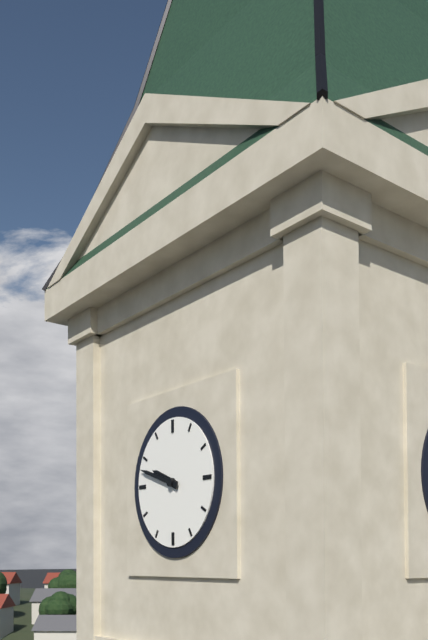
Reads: h=9 m=48
